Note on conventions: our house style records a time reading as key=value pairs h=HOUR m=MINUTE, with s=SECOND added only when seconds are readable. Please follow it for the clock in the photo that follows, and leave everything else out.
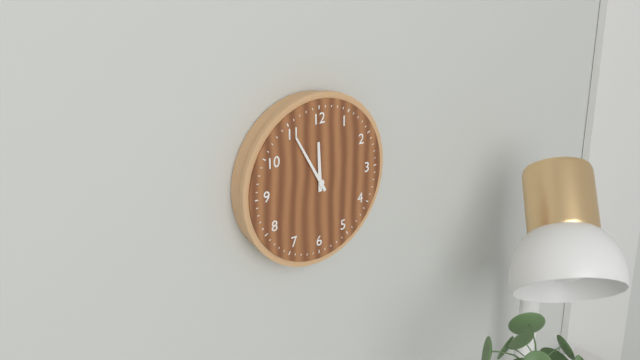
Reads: h=11 m=55
